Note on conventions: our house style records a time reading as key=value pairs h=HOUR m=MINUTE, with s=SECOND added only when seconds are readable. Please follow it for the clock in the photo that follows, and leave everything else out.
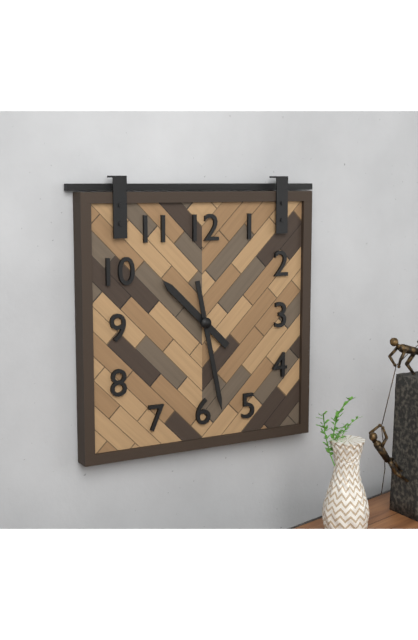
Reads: h=10 m=28
